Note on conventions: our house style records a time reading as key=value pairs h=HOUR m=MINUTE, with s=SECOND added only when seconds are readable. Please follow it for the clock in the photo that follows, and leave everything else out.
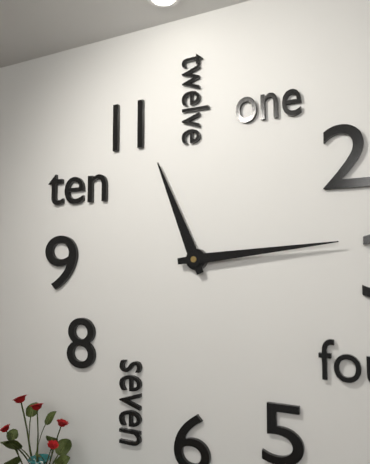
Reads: h=11 m=14
